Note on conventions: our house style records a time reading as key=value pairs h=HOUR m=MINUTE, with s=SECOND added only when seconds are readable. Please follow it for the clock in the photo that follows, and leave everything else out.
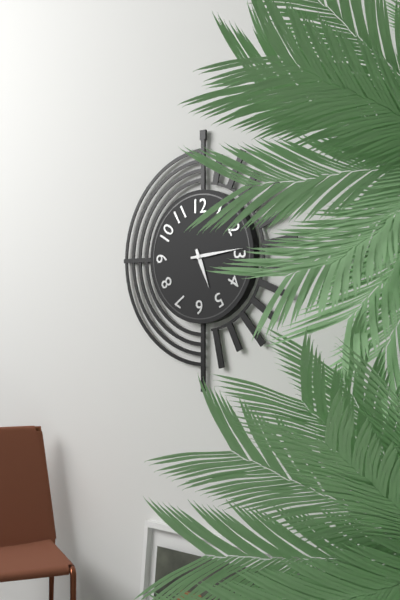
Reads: h=5 m=14
